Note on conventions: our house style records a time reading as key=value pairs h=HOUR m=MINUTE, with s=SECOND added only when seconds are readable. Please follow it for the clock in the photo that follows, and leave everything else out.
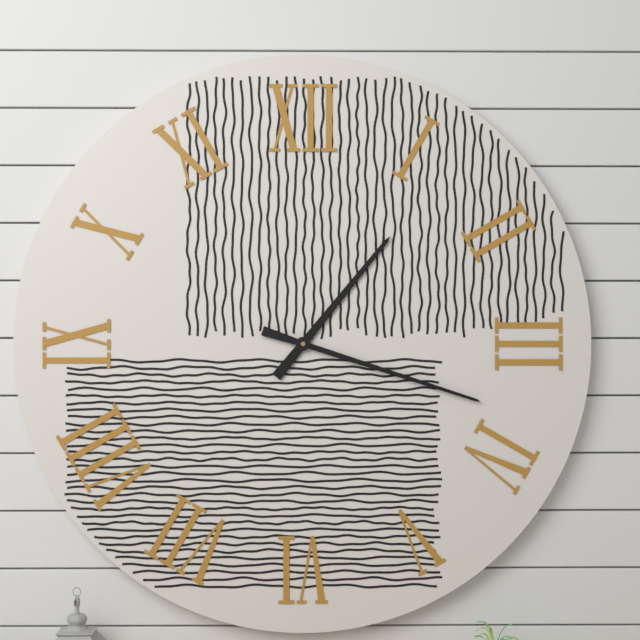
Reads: h=1 m=18
